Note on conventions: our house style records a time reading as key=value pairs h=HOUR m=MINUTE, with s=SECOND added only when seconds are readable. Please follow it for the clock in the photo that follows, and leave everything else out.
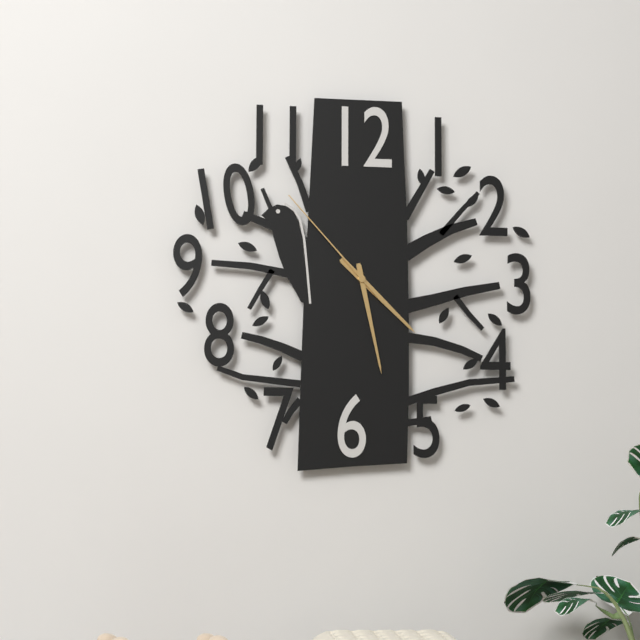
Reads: h=4 m=28 s=53
